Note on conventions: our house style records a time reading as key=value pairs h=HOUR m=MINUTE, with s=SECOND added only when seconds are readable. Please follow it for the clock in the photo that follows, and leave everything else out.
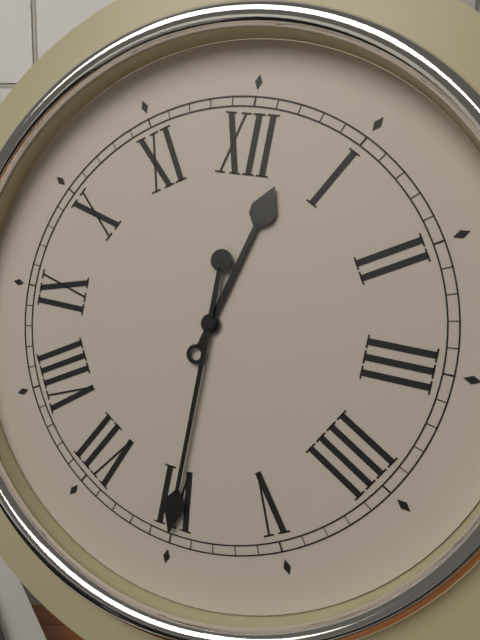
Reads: h=12 m=30
